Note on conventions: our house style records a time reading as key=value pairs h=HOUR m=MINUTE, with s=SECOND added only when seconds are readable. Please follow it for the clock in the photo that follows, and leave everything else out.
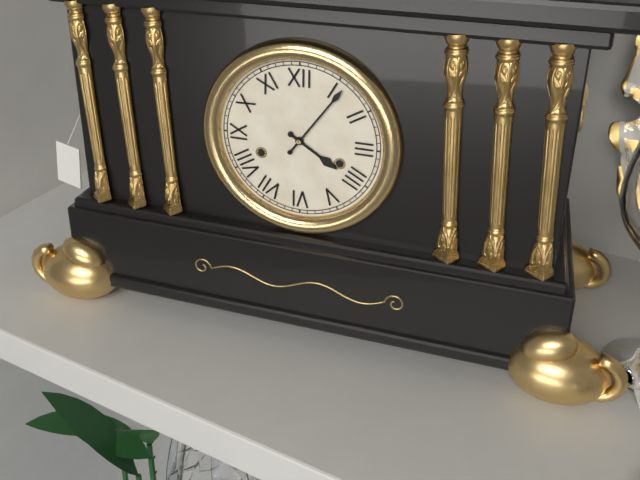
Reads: h=4 m=6
